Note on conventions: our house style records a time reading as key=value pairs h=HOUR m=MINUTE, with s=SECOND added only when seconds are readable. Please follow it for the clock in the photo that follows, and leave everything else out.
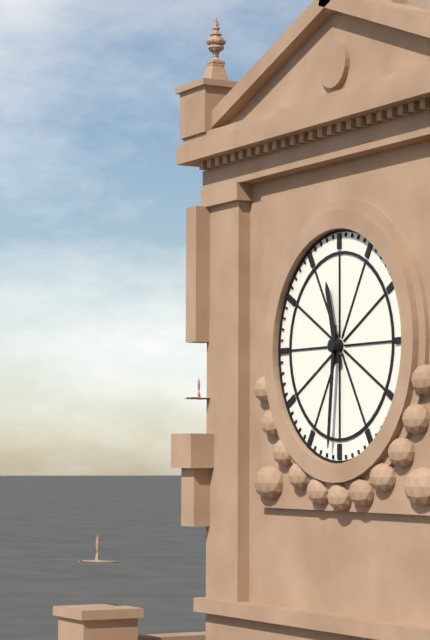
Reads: h=11 m=31
